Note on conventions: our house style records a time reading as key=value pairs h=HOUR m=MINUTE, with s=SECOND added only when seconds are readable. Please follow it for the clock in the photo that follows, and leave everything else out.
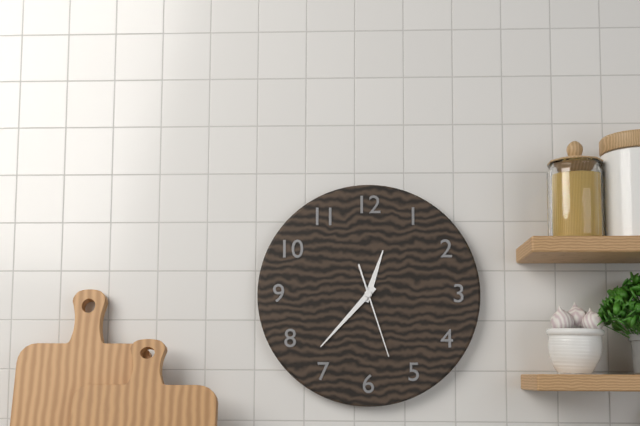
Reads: h=12 m=37 s=27
